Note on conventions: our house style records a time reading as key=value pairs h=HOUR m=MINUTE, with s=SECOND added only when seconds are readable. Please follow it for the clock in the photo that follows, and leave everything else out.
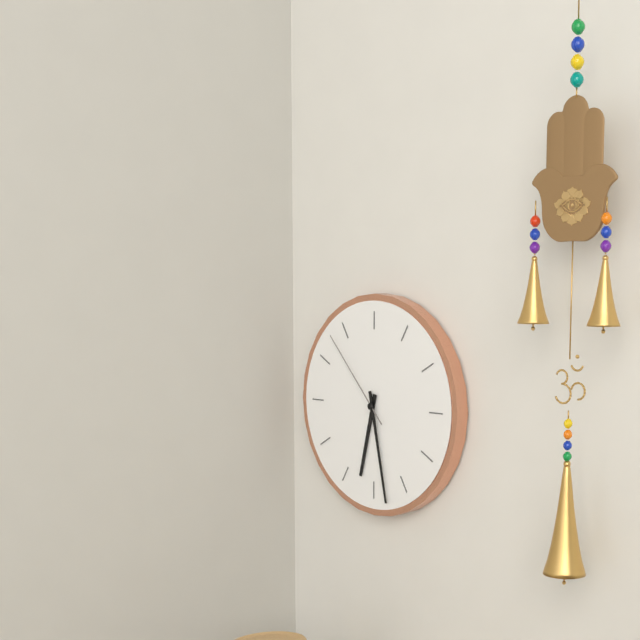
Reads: h=6 m=28 s=53
